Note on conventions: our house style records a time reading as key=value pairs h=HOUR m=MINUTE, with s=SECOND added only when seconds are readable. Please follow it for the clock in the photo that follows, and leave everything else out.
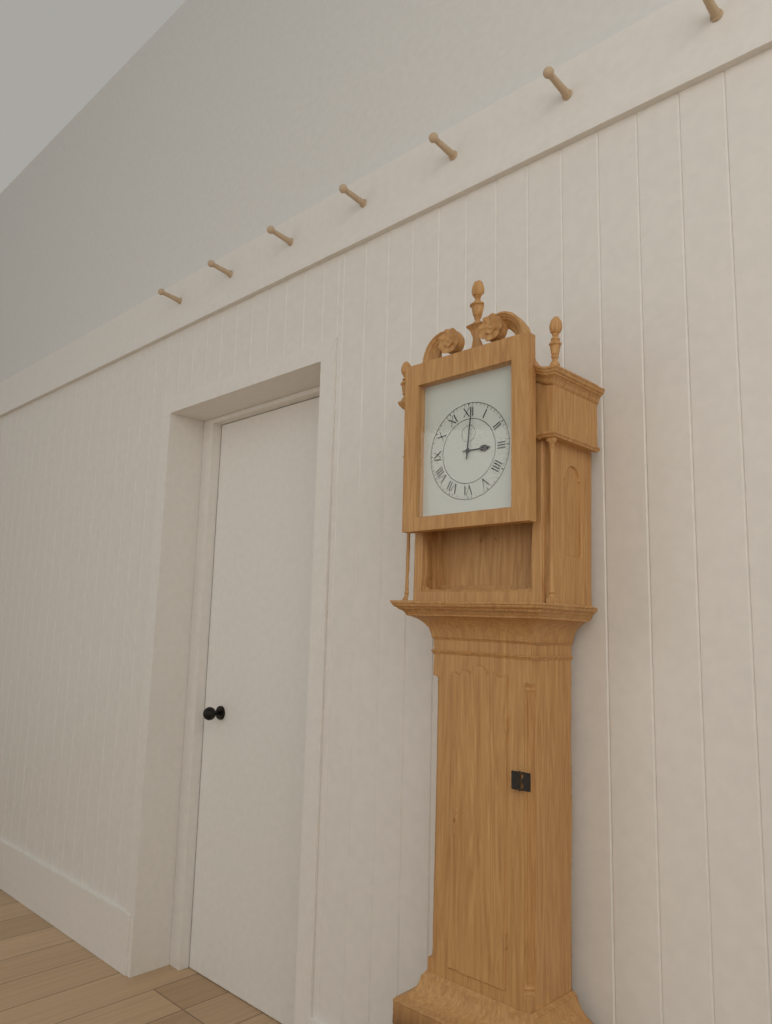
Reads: h=3 m=1
